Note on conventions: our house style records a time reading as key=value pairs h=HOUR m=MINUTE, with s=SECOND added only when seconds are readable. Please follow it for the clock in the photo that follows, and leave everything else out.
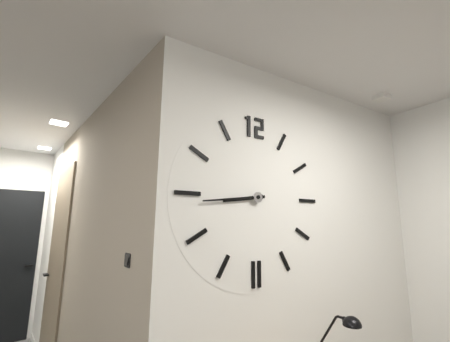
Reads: h=8 m=44
